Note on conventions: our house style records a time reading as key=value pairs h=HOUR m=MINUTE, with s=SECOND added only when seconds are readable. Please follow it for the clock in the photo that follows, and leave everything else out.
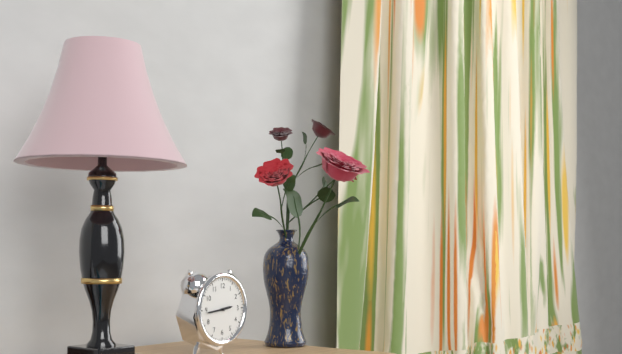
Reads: h=2 m=44
